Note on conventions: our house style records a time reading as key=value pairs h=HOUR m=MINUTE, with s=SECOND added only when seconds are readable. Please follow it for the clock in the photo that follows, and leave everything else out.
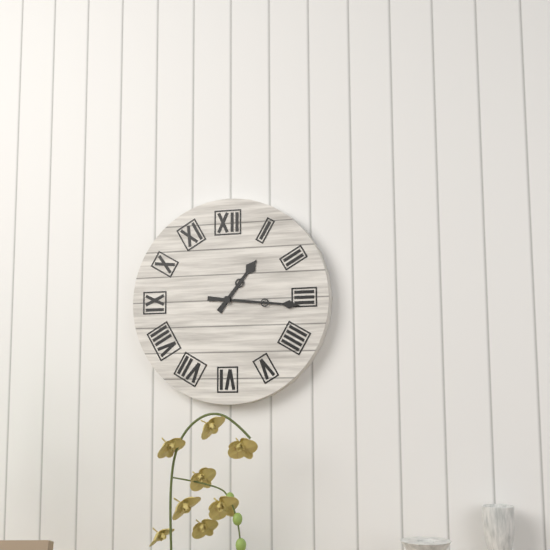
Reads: h=1 m=16
